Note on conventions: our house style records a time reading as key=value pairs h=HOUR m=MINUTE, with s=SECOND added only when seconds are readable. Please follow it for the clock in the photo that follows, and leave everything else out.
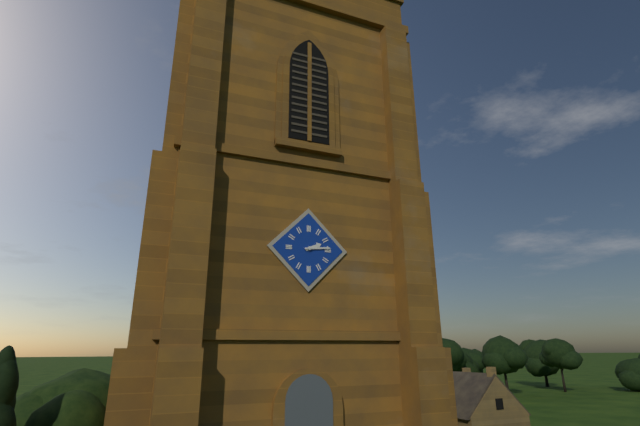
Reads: h=2 m=14
